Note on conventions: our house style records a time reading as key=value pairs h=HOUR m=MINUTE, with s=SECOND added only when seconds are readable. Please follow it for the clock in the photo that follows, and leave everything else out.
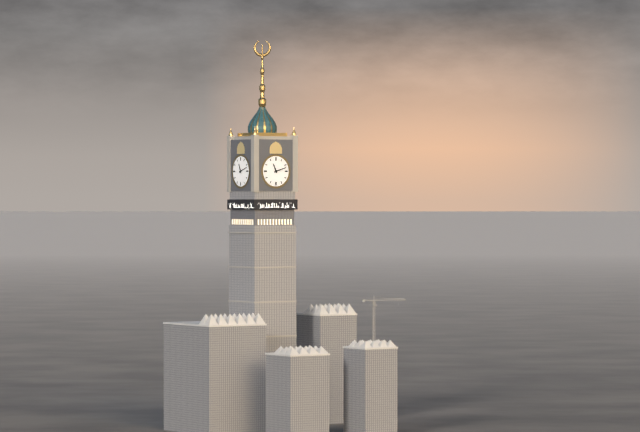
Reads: h=11 m=12
